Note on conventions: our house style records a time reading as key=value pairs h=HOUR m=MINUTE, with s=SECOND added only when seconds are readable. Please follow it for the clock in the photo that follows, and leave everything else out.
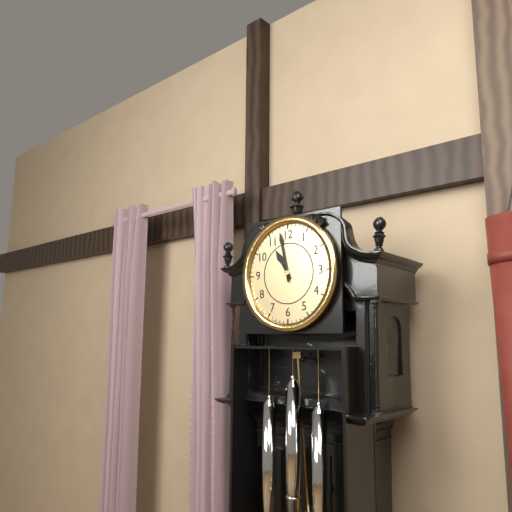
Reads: h=10 m=58
